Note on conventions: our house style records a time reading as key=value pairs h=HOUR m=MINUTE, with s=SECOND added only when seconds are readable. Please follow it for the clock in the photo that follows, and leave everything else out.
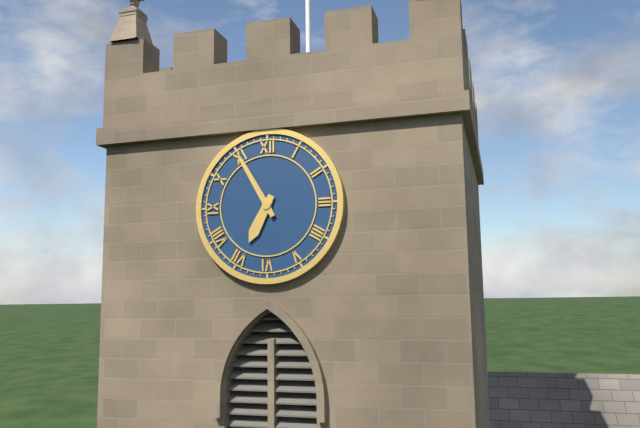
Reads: h=6 m=55
